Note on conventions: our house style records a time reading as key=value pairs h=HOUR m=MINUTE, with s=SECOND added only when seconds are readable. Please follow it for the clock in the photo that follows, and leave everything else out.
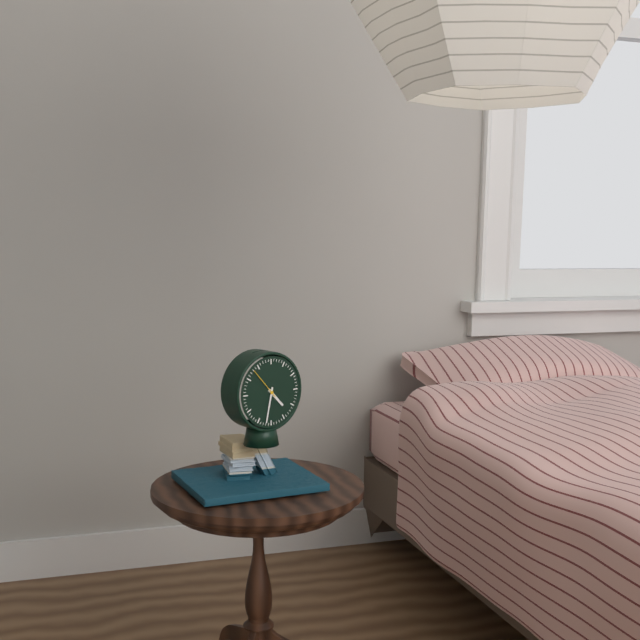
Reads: h=4 m=32
